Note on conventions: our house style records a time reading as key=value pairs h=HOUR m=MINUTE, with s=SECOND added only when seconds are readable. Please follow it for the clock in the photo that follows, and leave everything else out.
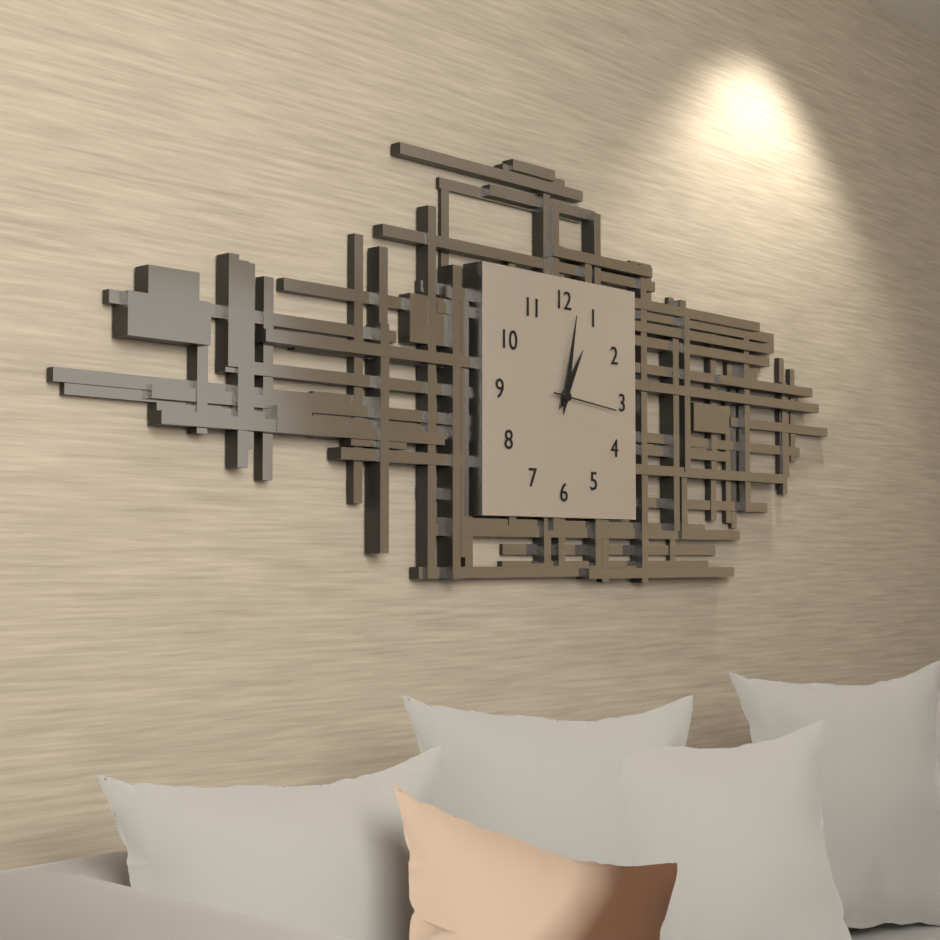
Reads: h=1 m=2 s=16
